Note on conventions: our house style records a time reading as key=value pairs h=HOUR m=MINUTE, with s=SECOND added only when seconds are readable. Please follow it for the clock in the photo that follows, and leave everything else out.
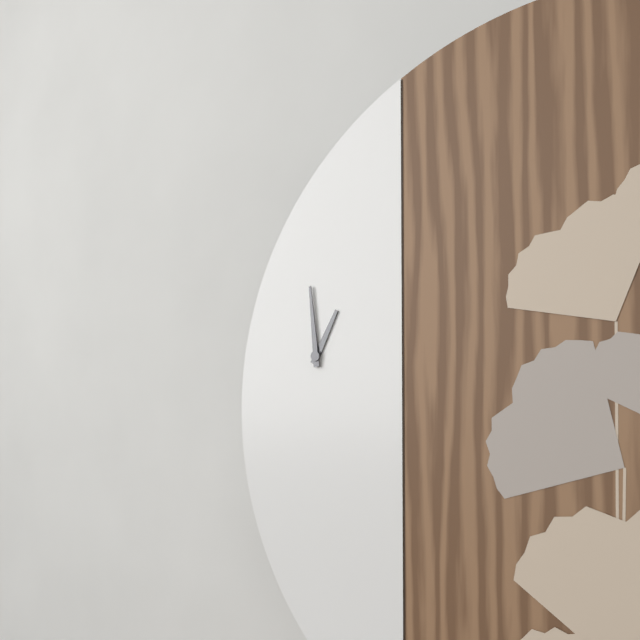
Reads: h=12 m=59
